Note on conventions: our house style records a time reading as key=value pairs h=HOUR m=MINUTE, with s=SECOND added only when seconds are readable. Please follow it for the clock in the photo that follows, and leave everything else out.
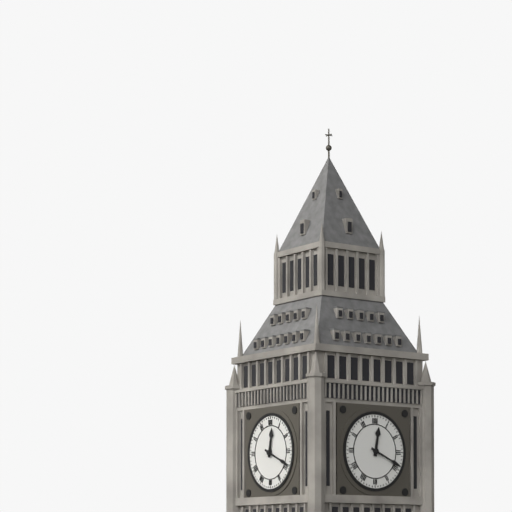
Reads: h=12 m=19
